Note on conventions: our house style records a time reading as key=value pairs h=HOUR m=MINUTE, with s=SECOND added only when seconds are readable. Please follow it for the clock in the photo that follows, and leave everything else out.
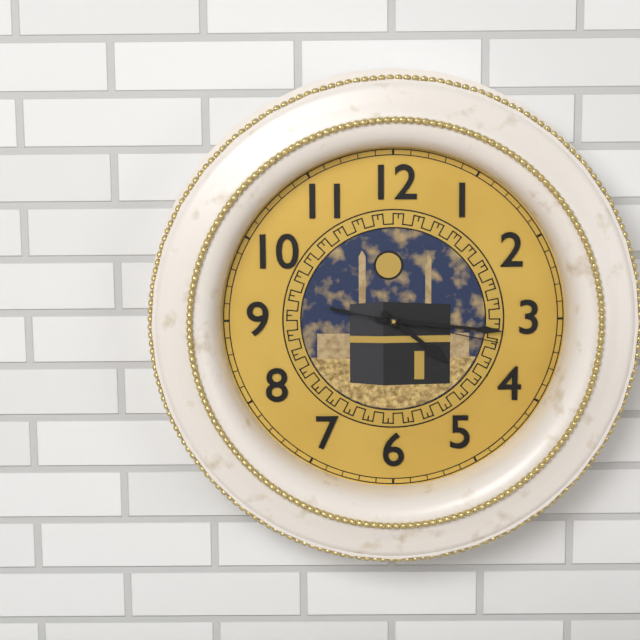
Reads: h=4 m=16 s=17
